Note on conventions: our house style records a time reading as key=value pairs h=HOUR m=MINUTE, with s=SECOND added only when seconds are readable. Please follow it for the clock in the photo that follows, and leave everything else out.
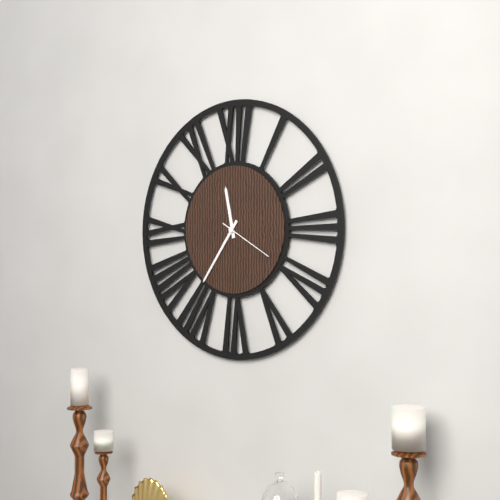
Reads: h=11 m=36 s=20
